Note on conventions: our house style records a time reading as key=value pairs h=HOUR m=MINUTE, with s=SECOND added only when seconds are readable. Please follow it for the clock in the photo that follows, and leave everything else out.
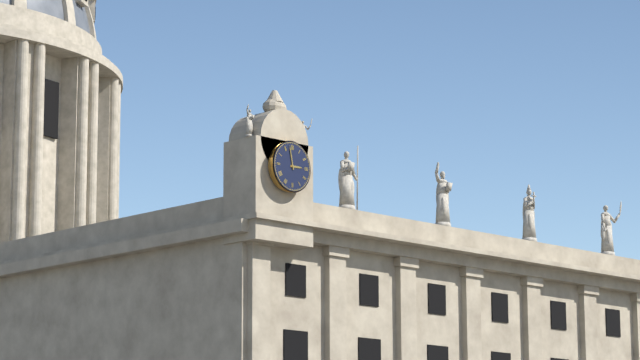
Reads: h=2 m=58
